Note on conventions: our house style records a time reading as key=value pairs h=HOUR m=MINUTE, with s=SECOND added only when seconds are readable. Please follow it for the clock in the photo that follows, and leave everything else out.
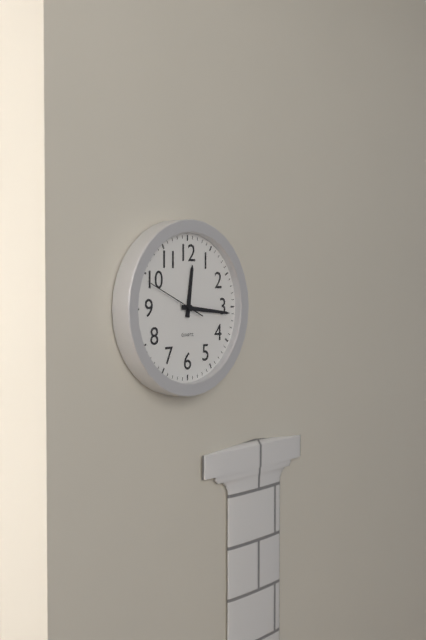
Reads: h=12 m=16 s=49
